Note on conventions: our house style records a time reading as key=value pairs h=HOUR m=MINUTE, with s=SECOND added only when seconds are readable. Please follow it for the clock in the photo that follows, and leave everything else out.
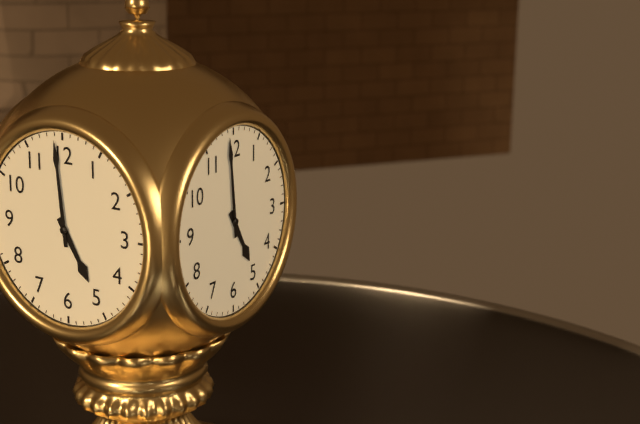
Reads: h=4 m=59
